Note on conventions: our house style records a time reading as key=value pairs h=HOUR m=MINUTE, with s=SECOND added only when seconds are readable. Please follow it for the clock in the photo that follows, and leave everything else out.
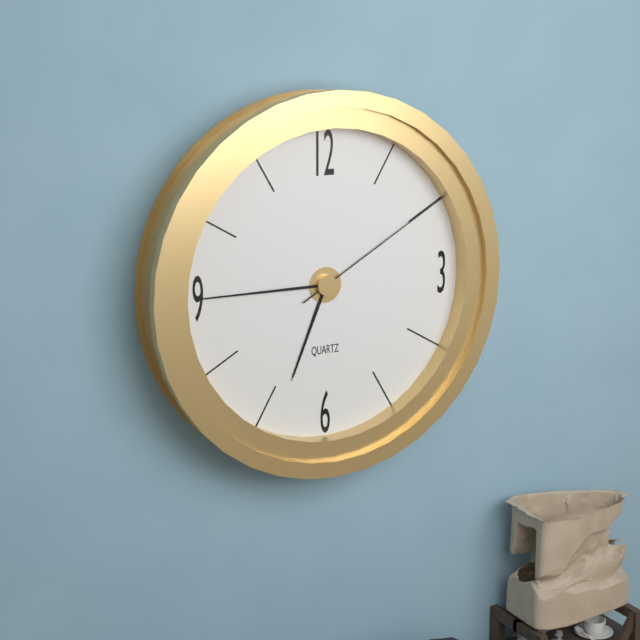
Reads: h=6 m=45 s=10
